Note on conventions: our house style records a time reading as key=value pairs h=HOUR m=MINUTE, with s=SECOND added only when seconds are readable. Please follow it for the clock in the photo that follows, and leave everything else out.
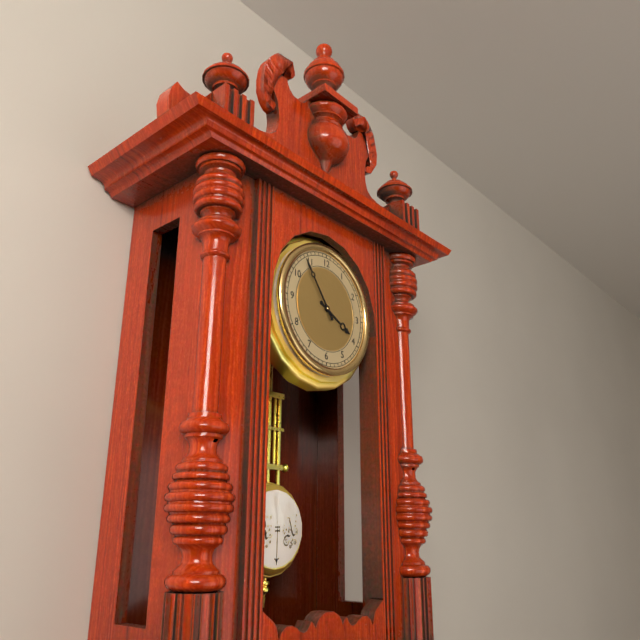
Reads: h=3 m=54
